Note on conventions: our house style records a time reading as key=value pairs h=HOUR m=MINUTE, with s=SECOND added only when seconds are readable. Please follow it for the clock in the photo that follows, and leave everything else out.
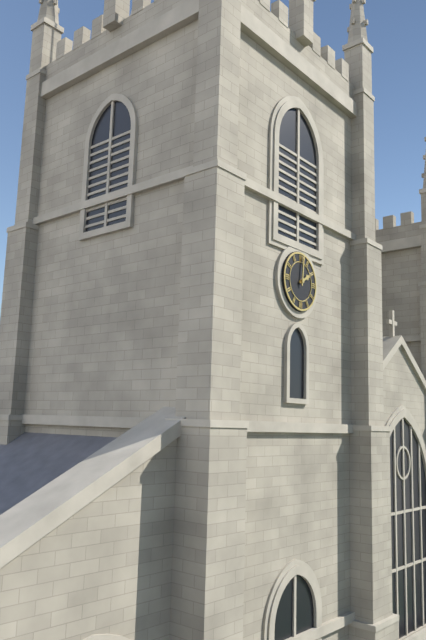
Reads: h=2 m=1
